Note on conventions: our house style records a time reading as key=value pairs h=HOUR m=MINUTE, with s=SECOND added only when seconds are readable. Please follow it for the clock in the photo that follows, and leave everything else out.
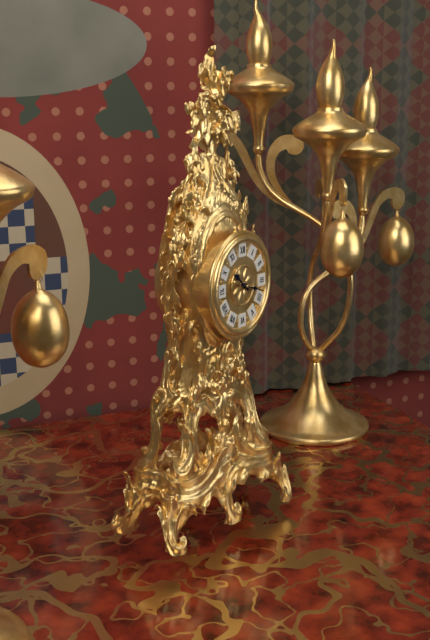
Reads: h=10 m=18
